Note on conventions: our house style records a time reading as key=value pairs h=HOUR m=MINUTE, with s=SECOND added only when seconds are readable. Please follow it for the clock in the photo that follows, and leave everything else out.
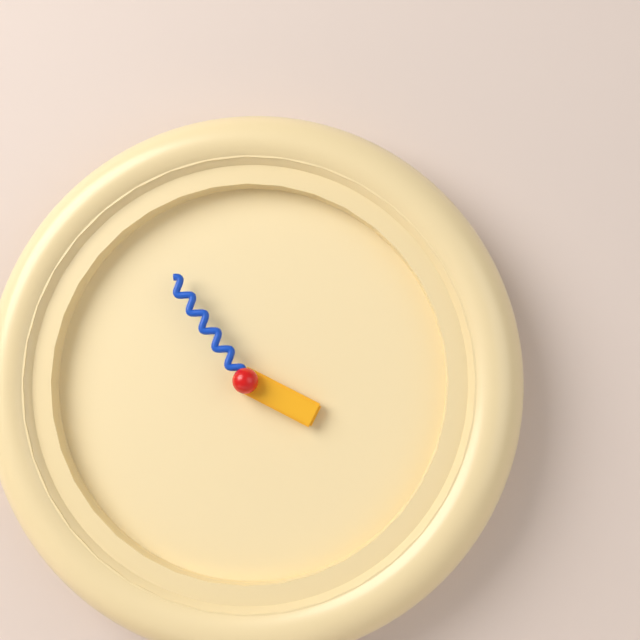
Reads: h=3 m=54
